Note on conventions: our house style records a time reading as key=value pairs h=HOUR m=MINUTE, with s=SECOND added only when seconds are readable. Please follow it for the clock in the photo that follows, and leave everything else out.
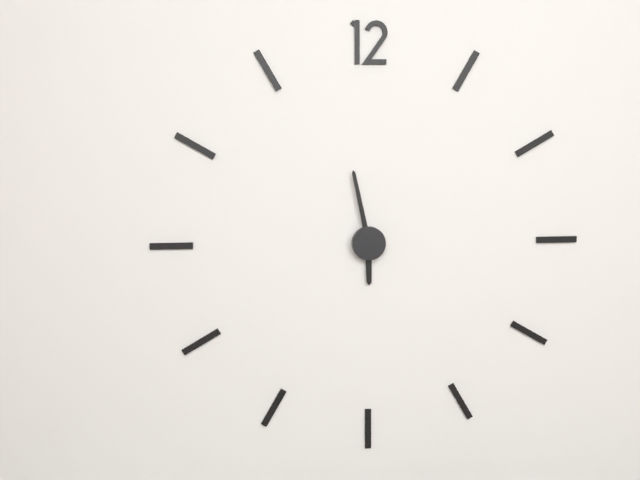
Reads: h=5 m=58
